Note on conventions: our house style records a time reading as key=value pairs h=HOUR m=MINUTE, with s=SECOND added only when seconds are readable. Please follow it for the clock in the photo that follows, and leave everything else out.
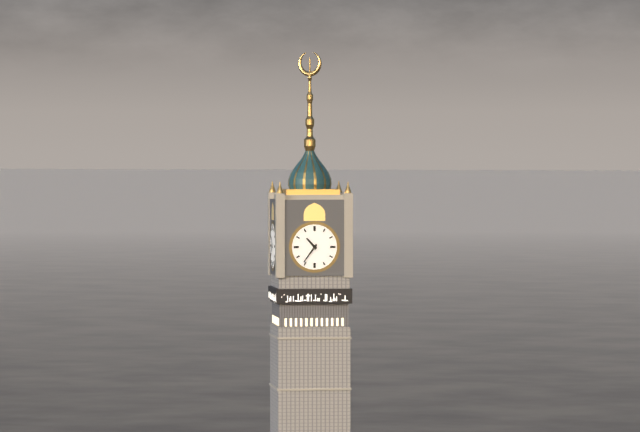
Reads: h=10 m=36
